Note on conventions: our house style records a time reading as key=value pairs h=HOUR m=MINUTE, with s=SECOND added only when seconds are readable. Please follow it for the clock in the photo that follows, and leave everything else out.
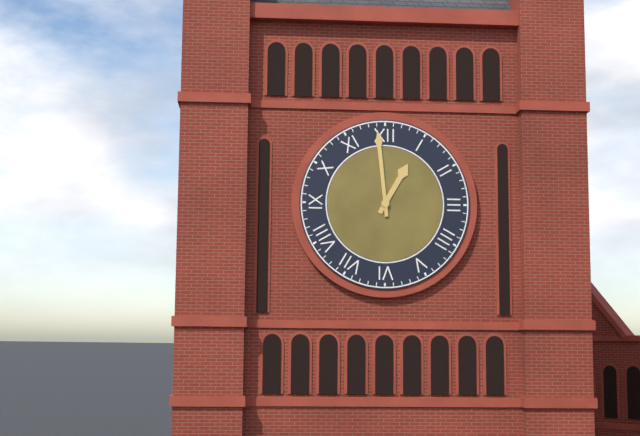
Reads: h=12 m=59
